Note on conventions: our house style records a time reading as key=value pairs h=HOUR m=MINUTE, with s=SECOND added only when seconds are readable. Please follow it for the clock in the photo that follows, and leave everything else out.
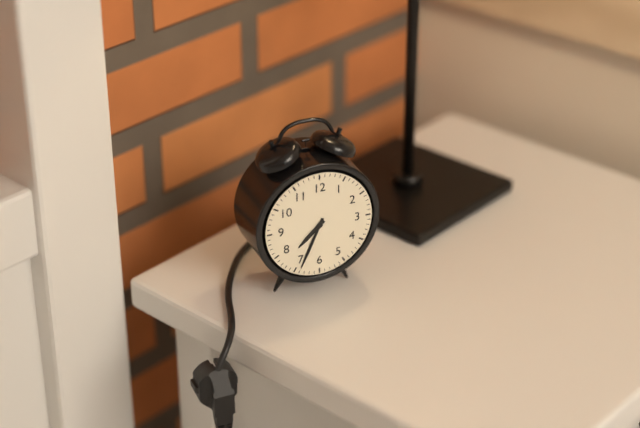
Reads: h=7 m=34
